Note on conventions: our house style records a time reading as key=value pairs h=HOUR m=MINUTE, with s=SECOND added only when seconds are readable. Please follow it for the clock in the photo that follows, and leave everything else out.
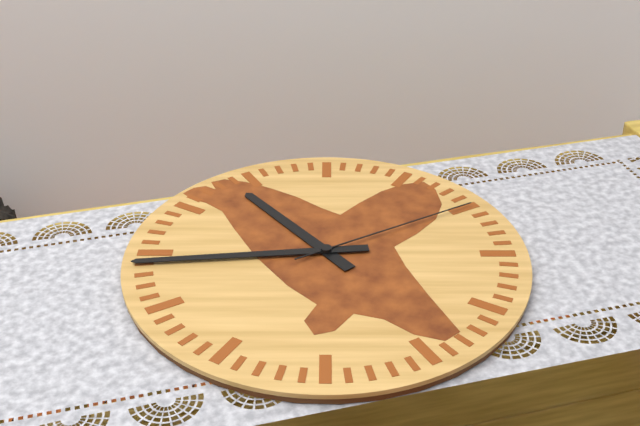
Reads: h=10 m=44 s=10
